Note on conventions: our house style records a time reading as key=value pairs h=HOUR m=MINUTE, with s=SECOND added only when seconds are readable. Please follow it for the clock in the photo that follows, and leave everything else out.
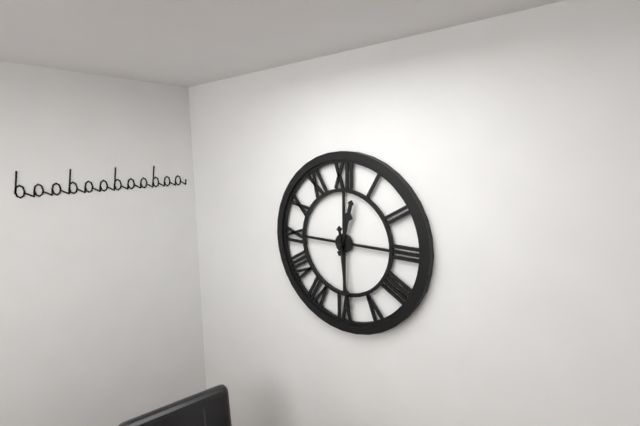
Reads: h=12 m=29
